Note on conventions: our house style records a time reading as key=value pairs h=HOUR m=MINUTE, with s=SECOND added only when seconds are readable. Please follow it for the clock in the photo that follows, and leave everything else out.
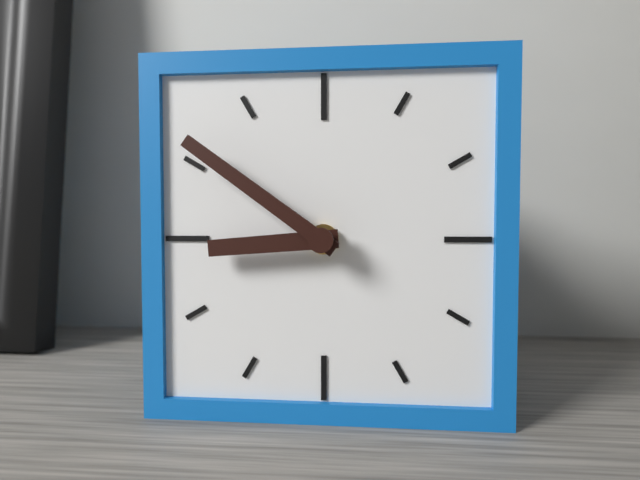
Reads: h=8 m=51
